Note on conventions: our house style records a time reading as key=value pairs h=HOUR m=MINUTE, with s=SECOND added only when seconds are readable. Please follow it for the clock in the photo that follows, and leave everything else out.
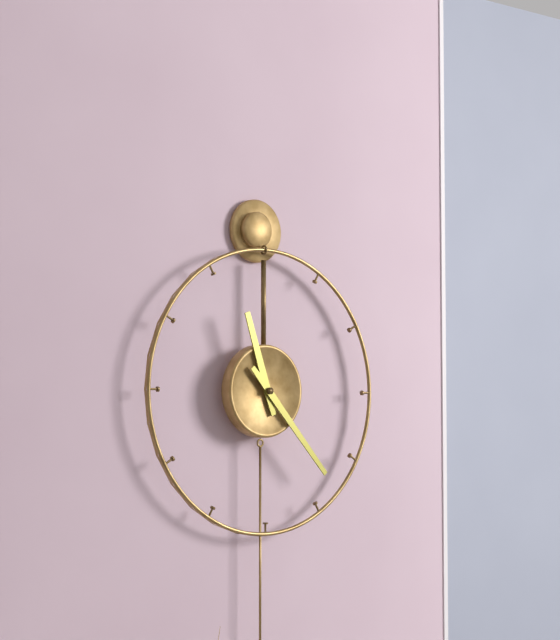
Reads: h=11 m=23
